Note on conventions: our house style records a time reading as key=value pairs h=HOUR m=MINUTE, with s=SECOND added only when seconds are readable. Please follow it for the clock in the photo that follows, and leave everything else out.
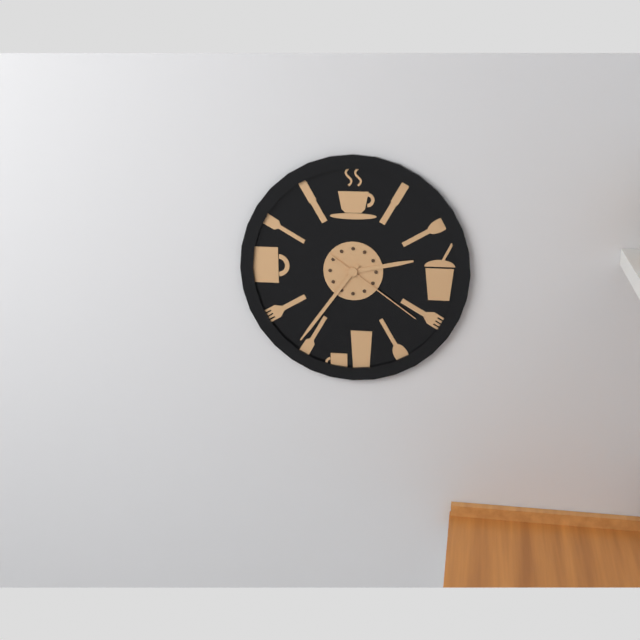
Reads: h=2 m=36 s=21
